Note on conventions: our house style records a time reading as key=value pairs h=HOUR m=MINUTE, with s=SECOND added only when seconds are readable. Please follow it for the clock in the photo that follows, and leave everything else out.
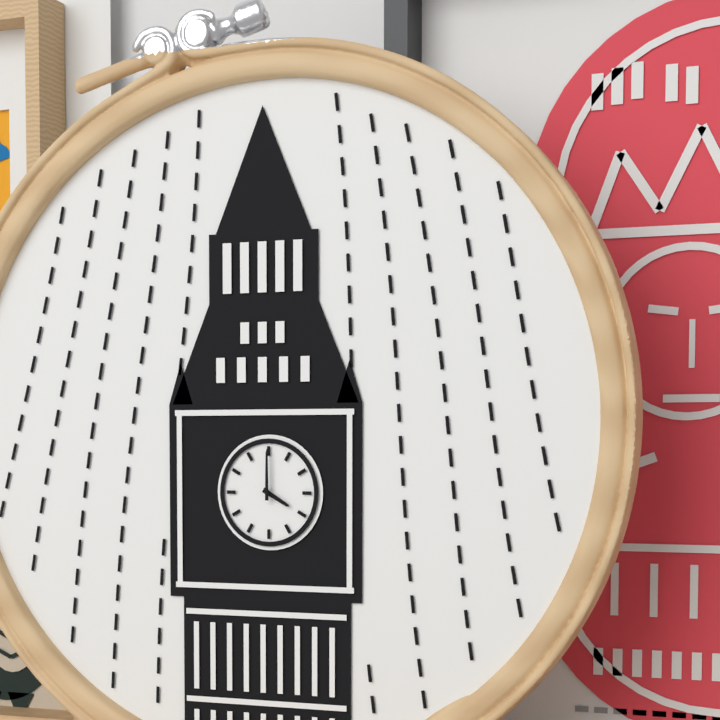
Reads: h=4 m=0
